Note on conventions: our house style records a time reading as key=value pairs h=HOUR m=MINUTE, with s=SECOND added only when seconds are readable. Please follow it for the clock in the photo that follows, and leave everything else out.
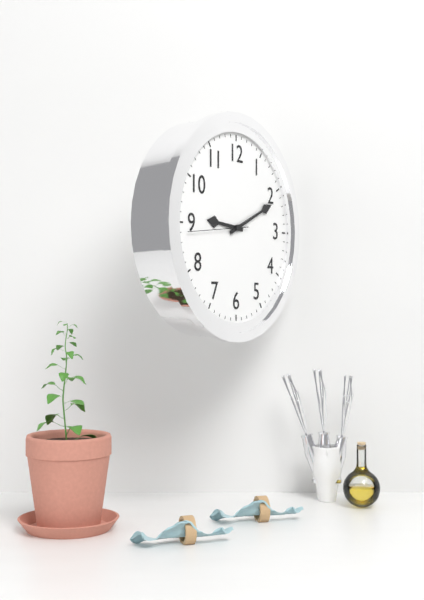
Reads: h=9 m=11 s=44
